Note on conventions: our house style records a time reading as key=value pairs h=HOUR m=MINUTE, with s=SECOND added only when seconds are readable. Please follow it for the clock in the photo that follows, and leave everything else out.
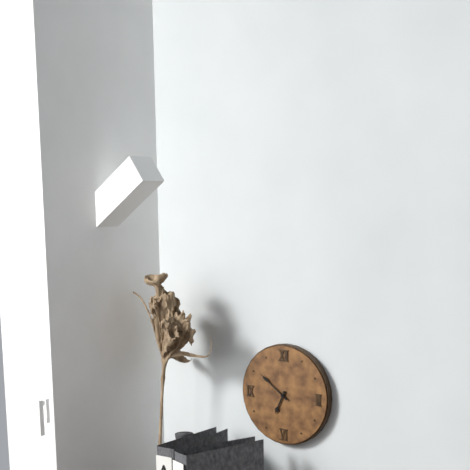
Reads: h=6 m=51
